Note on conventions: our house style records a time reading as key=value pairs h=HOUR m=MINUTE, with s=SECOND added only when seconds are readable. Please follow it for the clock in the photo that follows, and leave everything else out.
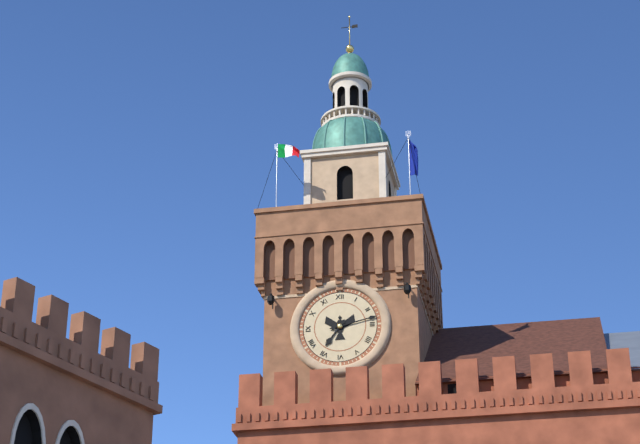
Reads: h=7 m=13
